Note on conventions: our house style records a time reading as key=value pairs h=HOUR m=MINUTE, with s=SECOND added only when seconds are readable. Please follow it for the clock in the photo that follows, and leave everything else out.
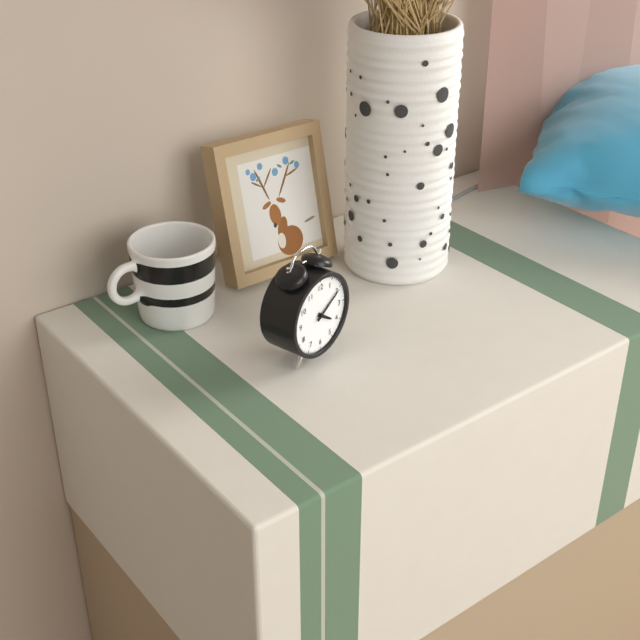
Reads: h=4 m=10
